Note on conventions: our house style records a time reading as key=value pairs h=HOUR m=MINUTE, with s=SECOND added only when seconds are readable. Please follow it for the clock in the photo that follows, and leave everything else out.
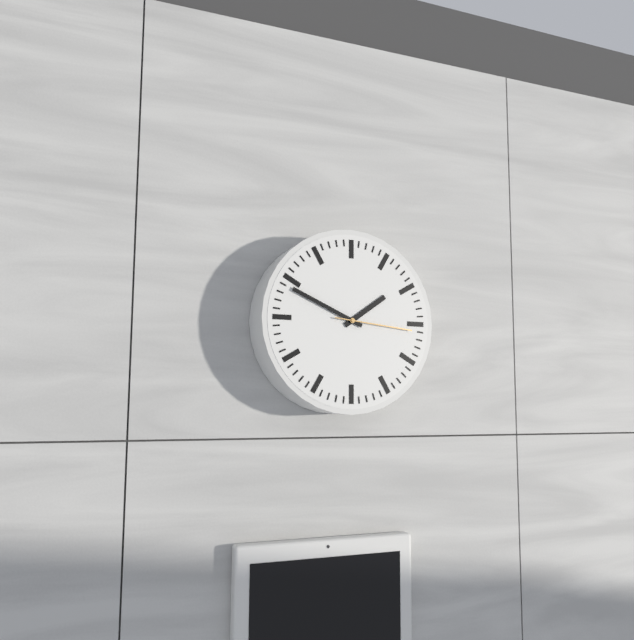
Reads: h=1 m=49 s=16
